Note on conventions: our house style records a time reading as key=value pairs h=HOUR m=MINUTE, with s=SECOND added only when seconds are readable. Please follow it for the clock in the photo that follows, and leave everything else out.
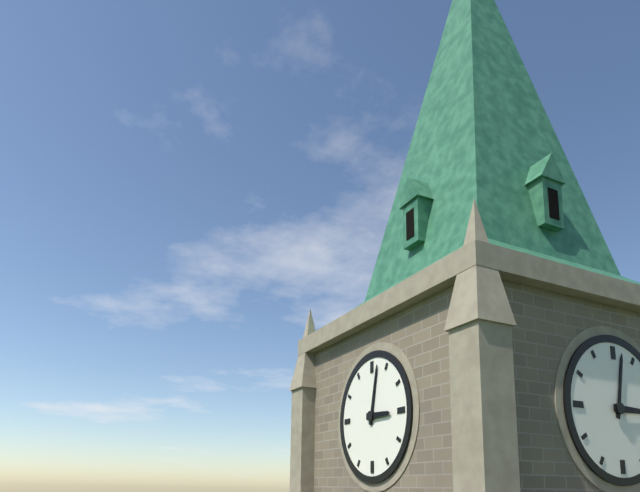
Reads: h=3 m=2
